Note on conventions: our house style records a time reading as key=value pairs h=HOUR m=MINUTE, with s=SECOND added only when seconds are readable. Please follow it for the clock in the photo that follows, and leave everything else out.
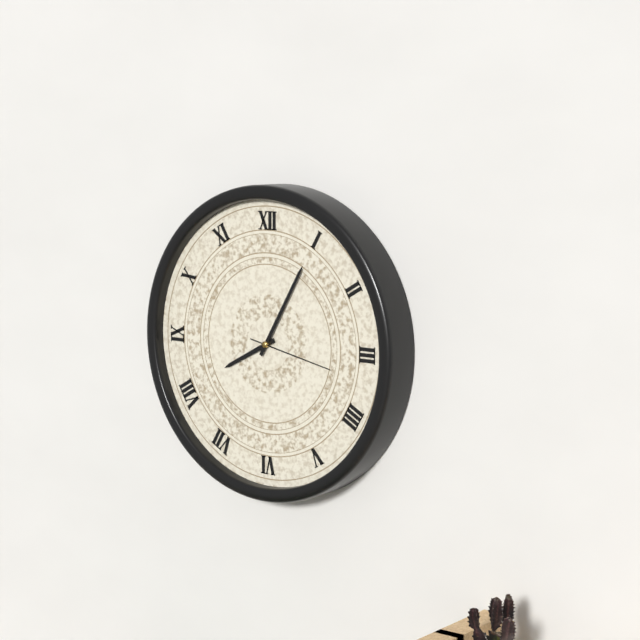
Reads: h=8 m=5 s=17
